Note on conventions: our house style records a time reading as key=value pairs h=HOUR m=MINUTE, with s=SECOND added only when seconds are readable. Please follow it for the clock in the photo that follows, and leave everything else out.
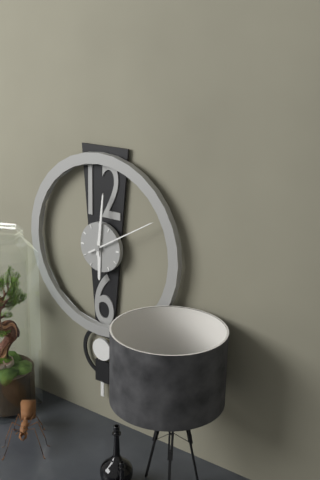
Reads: h=6 m=1 s=10
